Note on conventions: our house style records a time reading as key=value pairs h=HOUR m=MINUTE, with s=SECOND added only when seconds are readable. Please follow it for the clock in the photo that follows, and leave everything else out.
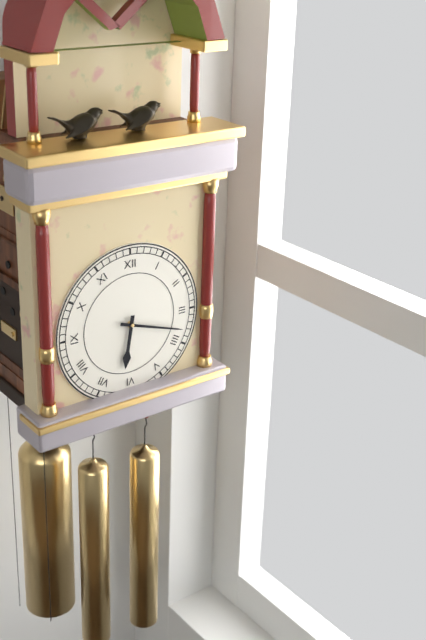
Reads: h=6 m=18
